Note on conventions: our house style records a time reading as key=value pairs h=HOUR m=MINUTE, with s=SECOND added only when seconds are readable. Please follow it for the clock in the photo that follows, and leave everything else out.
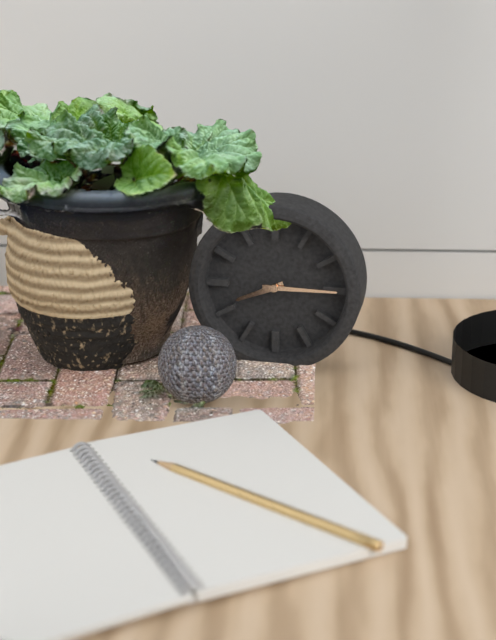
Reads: h=8 m=15
